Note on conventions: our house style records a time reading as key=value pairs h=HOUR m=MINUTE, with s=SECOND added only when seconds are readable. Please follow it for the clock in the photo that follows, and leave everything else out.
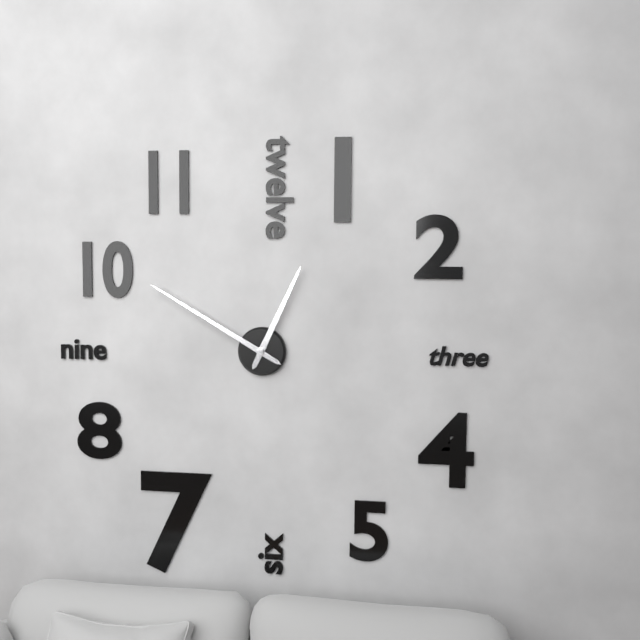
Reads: h=12 m=50
